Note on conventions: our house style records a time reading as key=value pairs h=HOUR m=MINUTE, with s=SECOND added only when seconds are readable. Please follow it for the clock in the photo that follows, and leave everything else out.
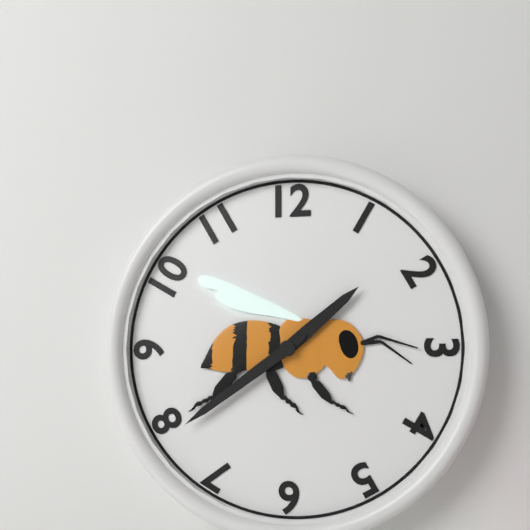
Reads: h=1 m=39
